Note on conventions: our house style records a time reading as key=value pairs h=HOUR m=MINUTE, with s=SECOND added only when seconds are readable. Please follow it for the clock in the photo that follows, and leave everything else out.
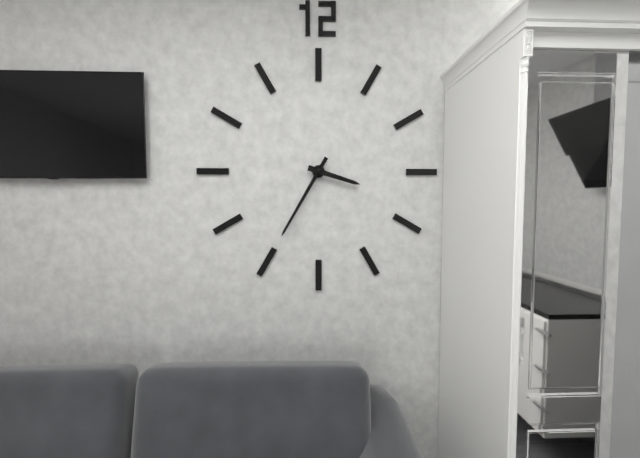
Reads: h=3 m=35
